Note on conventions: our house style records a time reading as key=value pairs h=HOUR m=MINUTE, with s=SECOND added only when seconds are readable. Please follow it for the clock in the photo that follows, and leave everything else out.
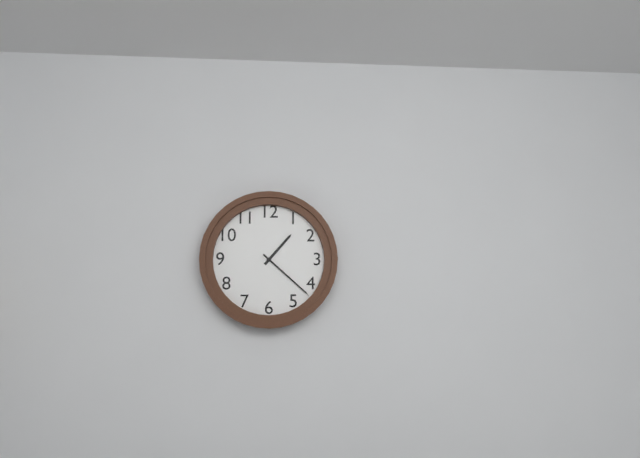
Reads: h=1 m=22
